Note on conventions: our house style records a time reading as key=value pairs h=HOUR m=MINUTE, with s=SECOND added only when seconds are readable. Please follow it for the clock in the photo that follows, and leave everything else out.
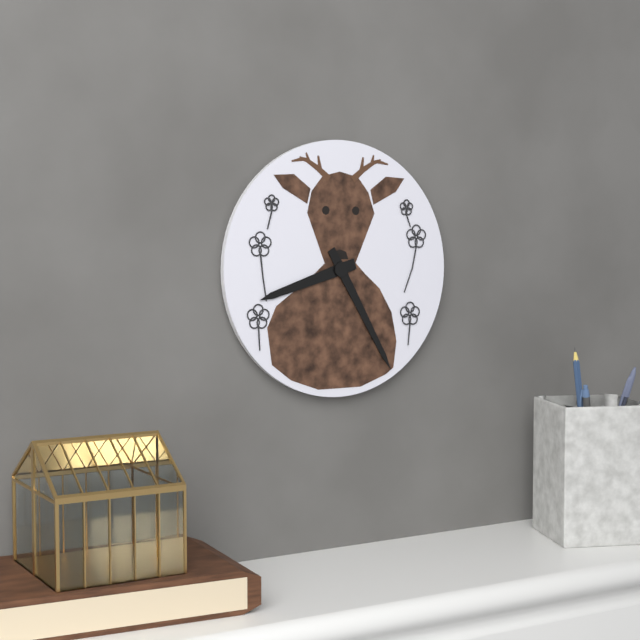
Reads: h=8 m=25
